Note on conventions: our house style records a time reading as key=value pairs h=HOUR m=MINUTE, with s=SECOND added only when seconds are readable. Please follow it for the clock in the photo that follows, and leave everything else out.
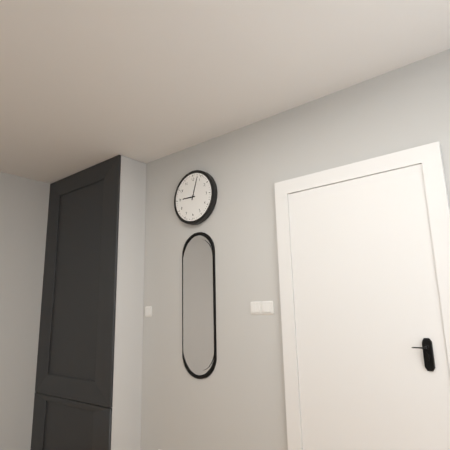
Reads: h=9 m=3
